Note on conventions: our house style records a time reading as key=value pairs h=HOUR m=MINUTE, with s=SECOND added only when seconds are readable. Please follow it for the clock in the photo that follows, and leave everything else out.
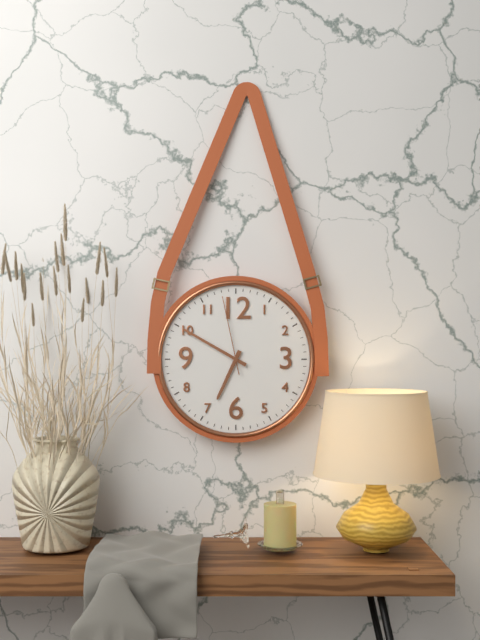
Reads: h=6 m=50 s=58
